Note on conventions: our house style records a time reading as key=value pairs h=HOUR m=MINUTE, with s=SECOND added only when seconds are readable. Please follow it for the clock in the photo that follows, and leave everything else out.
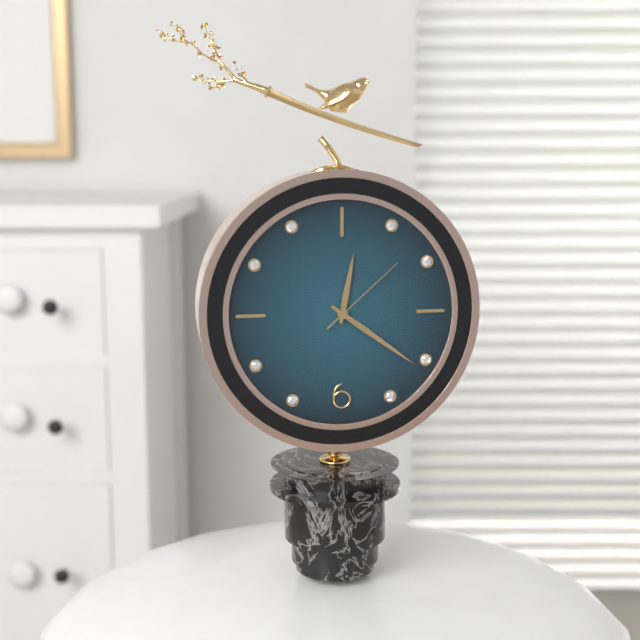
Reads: h=12 m=21 s=8
